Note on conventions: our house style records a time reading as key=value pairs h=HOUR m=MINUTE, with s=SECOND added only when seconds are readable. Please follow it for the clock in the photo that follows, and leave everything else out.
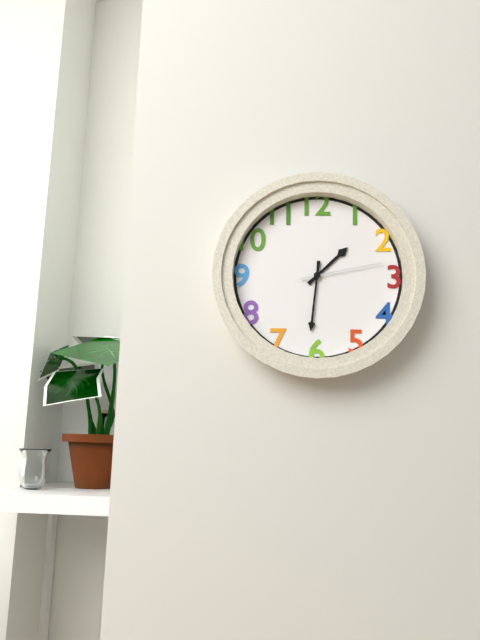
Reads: h=1 m=31 s=13
